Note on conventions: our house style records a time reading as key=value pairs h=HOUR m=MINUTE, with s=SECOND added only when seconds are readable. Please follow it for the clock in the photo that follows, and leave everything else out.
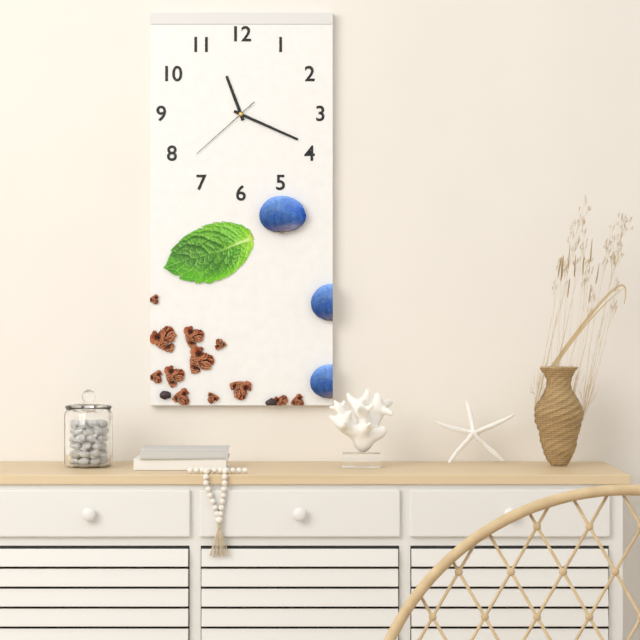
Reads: h=11 m=19 s=38
